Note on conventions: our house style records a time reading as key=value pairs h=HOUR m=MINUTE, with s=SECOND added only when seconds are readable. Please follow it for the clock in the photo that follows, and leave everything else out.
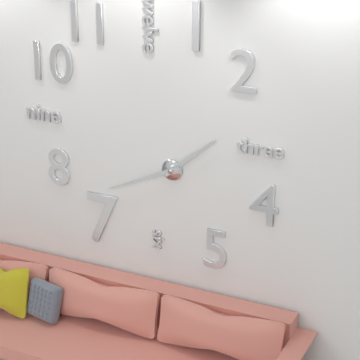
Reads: h=1 m=41
